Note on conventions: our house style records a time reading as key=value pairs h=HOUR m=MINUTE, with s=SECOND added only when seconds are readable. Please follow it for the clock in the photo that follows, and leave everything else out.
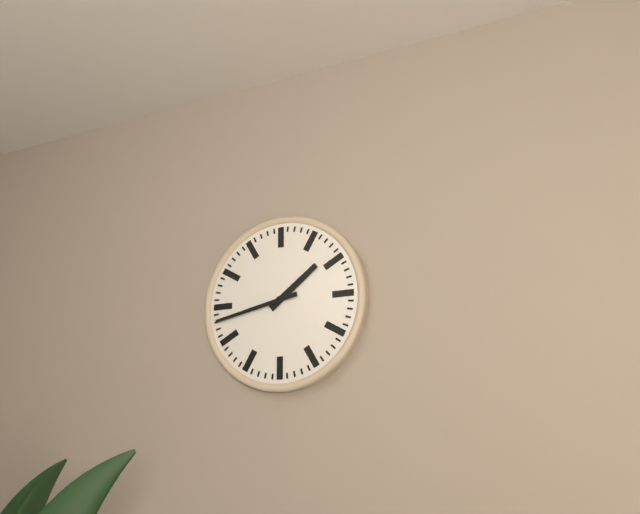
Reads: h=1 m=43
